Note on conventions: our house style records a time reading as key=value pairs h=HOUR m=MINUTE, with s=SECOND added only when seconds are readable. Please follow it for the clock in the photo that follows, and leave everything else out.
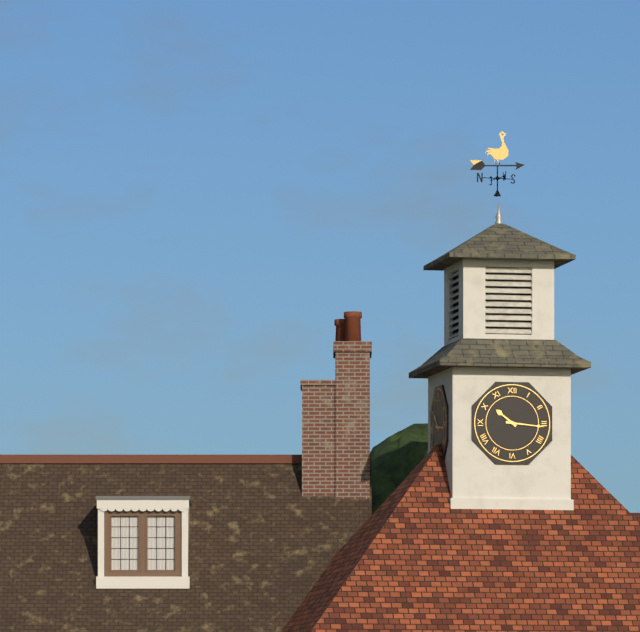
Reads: h=10 m=16
